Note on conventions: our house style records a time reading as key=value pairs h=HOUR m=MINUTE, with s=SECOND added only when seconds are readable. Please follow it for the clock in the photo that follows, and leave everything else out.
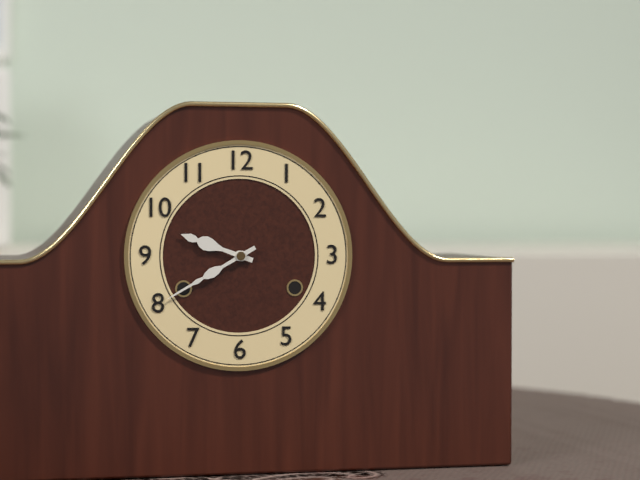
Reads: h=9 m=40
